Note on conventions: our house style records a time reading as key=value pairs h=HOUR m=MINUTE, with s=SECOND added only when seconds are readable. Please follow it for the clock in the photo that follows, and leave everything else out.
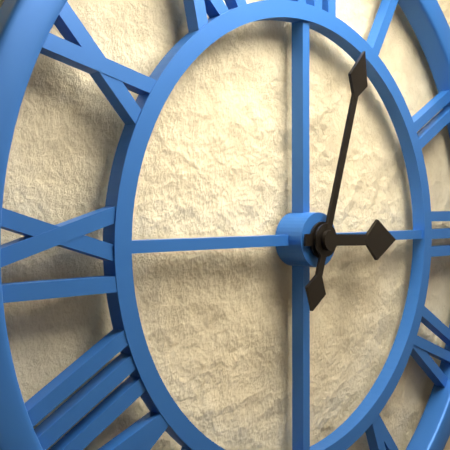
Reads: h=3 m=3
